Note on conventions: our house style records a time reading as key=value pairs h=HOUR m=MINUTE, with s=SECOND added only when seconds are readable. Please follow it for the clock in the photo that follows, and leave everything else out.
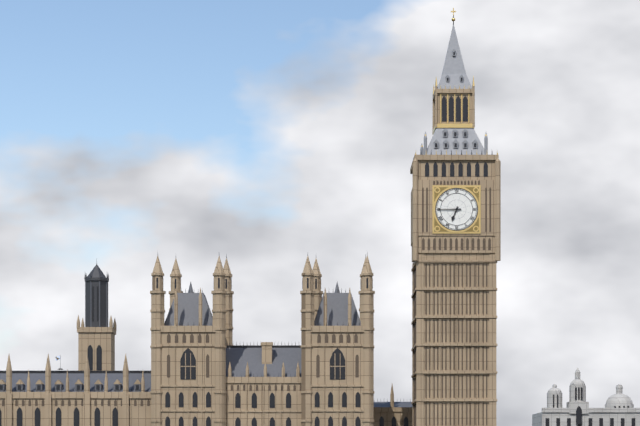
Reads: h=6 m=45
